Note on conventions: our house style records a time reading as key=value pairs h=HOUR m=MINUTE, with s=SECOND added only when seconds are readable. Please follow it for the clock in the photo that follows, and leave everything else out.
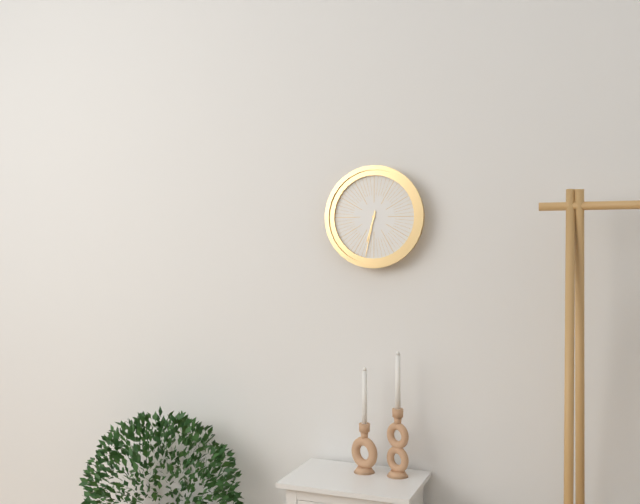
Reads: h=6 m=32
